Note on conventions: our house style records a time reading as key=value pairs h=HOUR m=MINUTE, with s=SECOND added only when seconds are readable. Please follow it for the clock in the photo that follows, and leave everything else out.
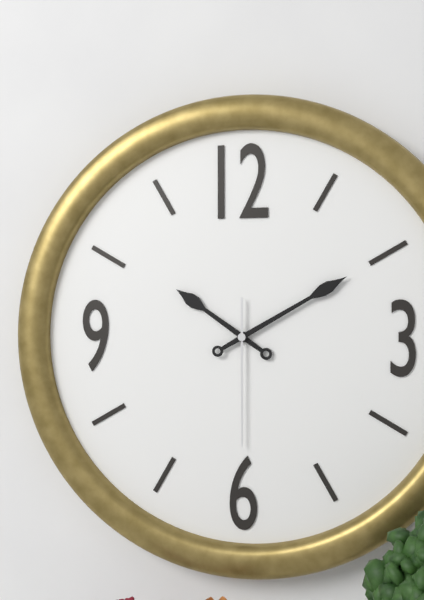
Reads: h=10 m=10 s=30
